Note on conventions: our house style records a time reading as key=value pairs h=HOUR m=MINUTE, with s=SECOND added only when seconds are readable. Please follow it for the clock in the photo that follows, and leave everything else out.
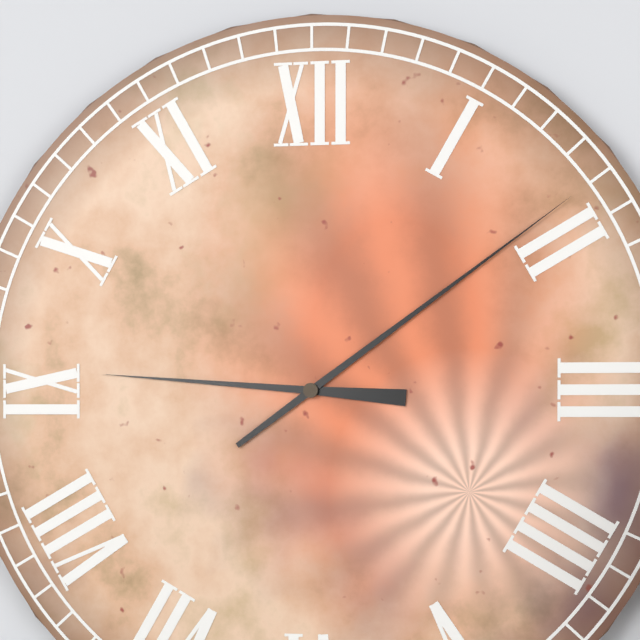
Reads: h=9 m=9
